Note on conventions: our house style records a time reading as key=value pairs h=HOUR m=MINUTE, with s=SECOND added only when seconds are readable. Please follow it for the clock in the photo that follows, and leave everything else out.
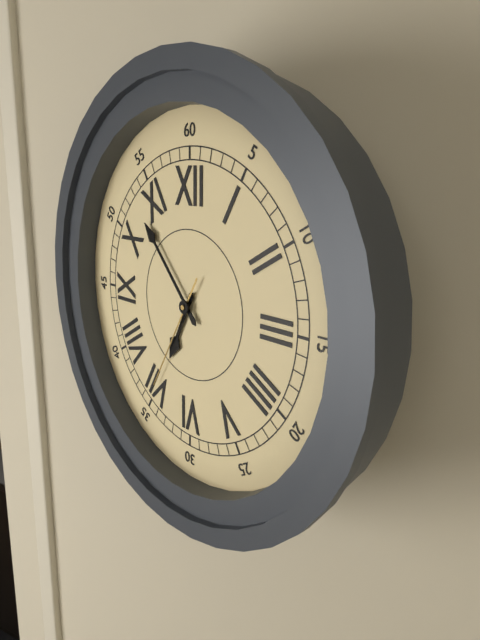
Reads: h=6 m=53 s=35
